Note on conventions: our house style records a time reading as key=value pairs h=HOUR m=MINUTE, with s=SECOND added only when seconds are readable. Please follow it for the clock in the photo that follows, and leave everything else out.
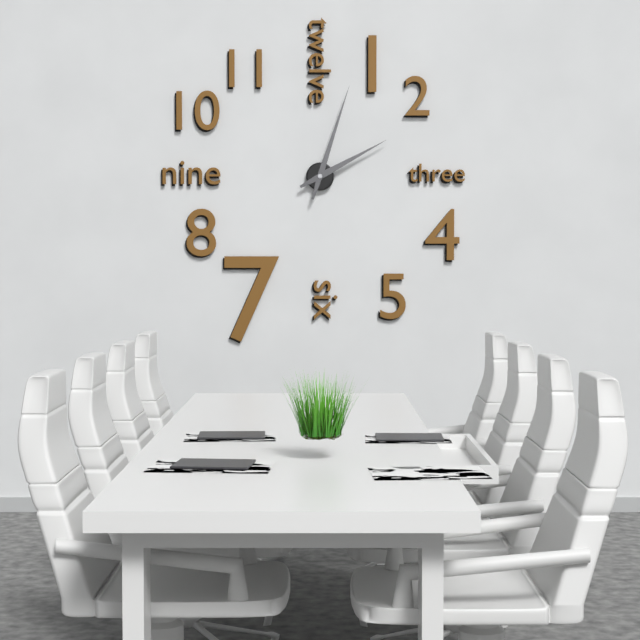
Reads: h=2 m=3
